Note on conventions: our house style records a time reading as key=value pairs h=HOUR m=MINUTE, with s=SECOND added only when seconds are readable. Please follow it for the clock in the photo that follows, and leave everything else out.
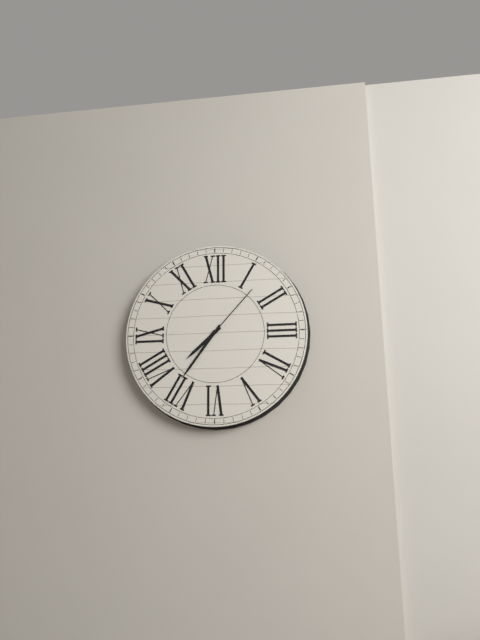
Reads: h=7 m=36 s=7
